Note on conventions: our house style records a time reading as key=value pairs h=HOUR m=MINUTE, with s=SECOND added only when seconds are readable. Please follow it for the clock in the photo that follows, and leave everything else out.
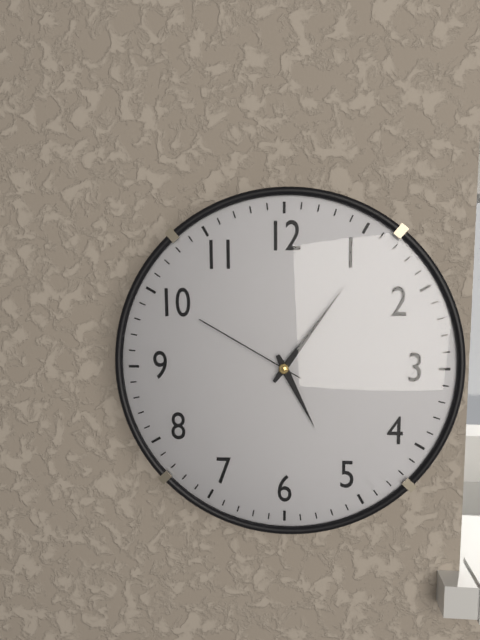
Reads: h=5 m=6 s=50
